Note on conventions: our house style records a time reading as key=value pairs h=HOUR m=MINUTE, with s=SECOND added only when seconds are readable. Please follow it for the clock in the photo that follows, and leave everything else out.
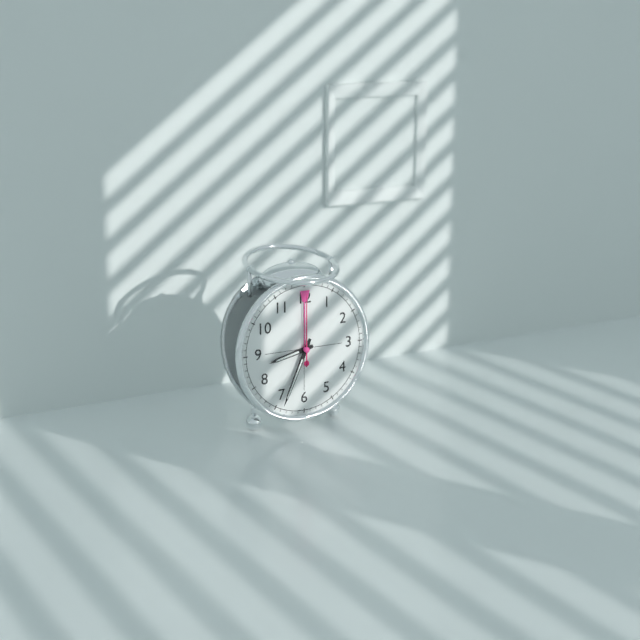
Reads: h=8 m=34 s=0
